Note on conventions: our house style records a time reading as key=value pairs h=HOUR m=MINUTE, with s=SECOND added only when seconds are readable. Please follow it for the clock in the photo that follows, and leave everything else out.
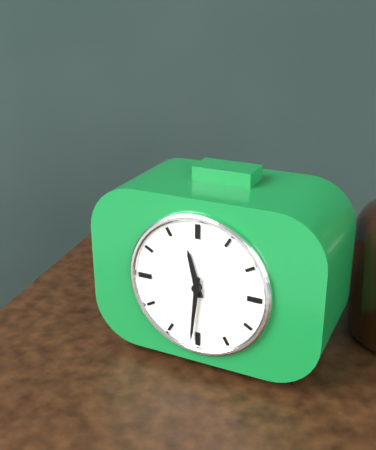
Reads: h=11 m=31
